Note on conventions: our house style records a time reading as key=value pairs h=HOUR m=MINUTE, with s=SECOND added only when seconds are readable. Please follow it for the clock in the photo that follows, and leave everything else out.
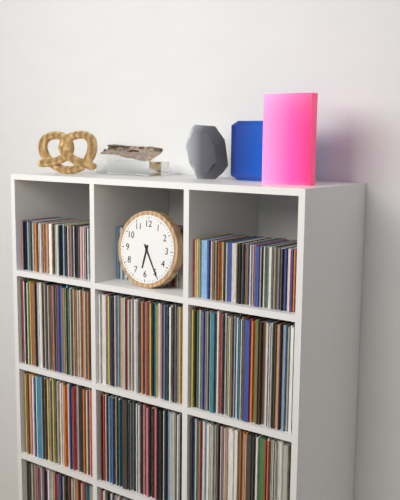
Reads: h=6 m=25
